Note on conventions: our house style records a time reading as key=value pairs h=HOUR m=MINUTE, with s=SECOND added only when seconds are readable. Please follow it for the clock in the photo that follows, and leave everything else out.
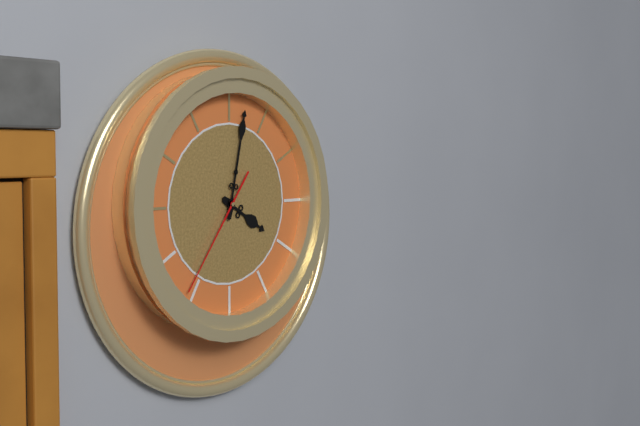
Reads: h=4 m=2 s=36
